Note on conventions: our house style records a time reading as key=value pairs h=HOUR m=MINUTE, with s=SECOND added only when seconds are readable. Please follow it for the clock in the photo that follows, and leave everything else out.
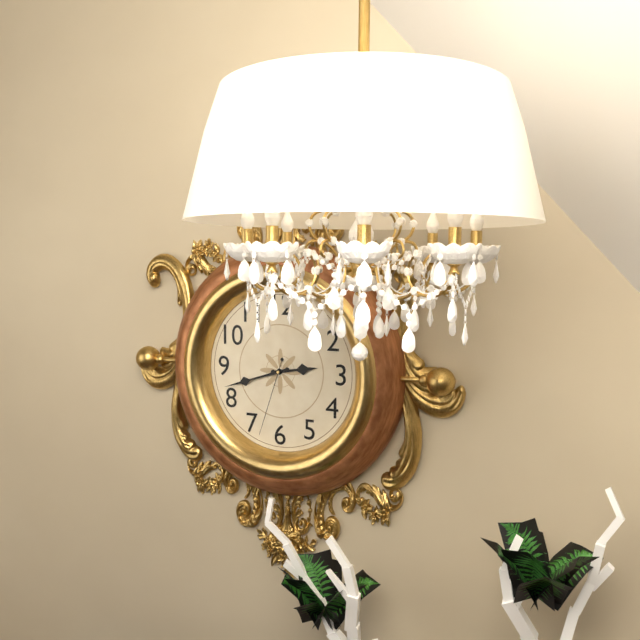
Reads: h=2 m=42 s=33
